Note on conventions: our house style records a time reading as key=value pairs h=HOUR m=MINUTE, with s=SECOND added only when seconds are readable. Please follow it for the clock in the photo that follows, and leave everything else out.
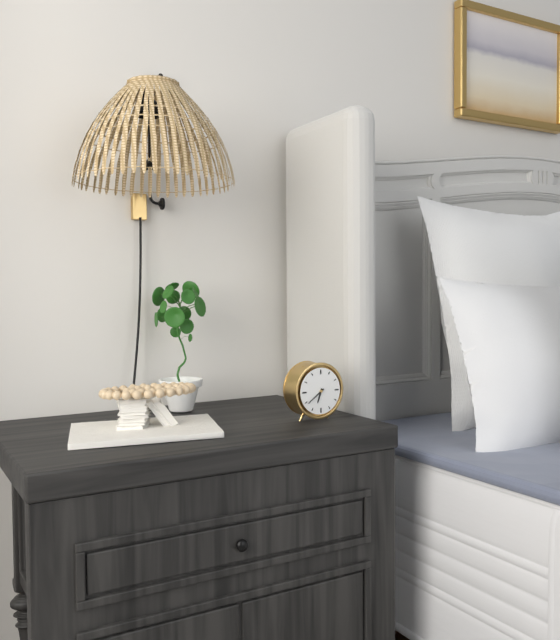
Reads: h=6 m=39
